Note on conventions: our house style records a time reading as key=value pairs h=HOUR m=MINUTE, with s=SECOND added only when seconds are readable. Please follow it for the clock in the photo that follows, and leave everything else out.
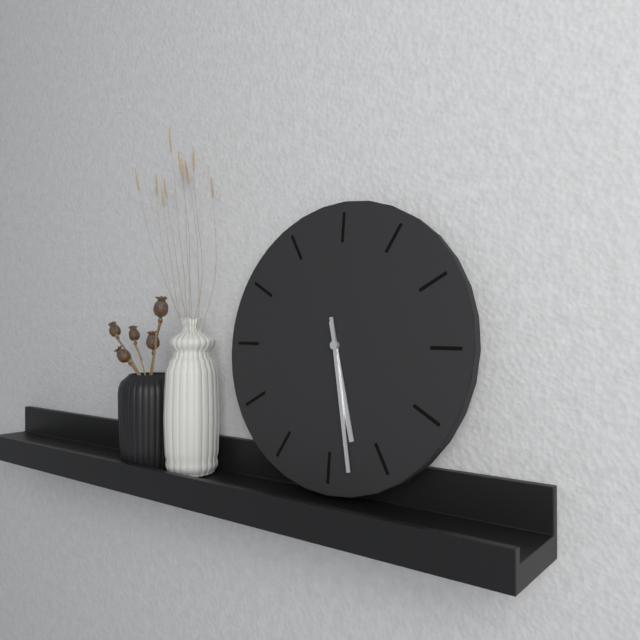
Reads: h=5 m=28
